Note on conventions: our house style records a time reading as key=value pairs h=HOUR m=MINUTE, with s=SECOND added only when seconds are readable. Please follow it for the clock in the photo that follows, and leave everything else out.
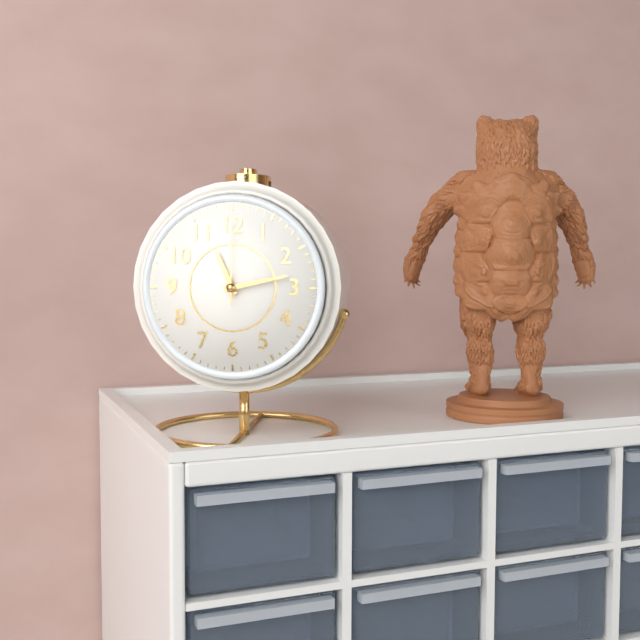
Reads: h=11 m=13 s=0
